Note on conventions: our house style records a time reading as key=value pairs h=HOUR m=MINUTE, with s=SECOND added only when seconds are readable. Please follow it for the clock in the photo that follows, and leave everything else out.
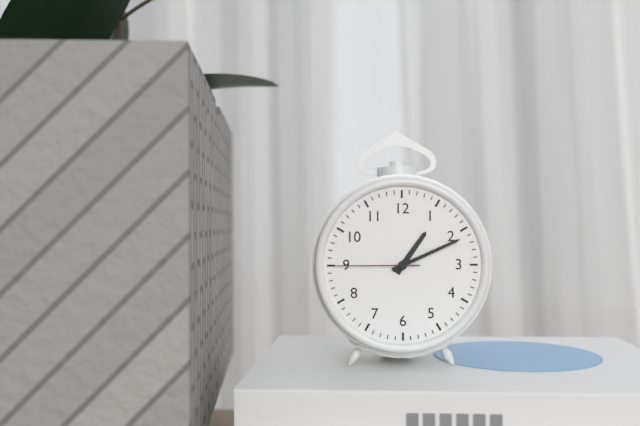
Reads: h=1 m=11 s=45
